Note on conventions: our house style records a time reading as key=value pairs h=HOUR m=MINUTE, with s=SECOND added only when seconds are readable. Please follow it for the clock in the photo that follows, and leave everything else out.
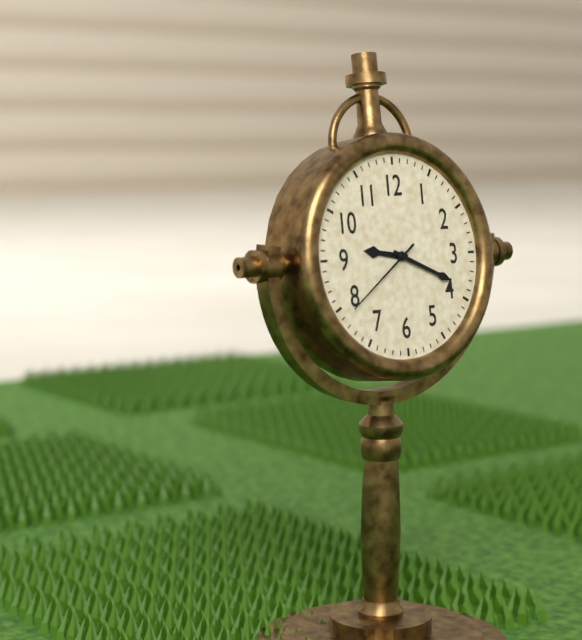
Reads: h=9 m=19 s=39
